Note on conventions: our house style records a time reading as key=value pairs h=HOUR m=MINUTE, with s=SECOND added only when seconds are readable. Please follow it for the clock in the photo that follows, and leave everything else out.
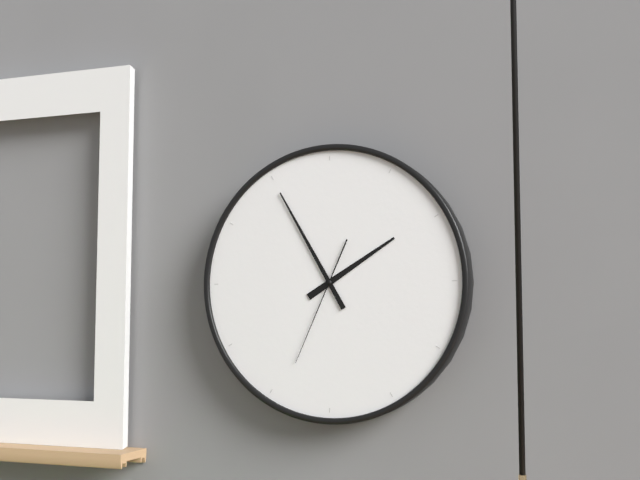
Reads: h=1 m=55 s=34
